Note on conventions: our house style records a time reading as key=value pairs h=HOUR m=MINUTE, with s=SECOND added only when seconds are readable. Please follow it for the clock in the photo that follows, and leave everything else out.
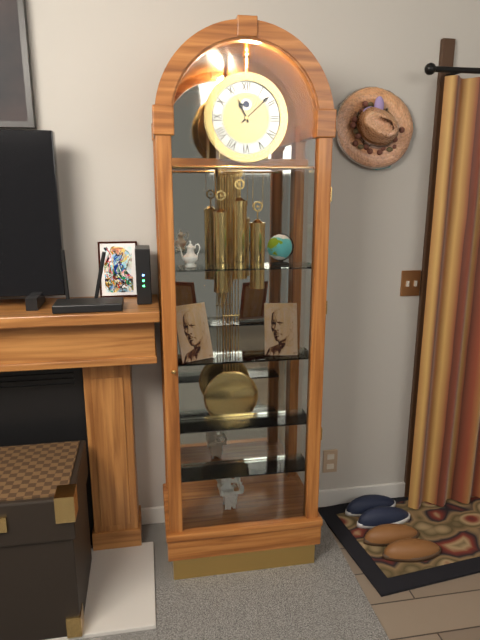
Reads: h=11 m=8
